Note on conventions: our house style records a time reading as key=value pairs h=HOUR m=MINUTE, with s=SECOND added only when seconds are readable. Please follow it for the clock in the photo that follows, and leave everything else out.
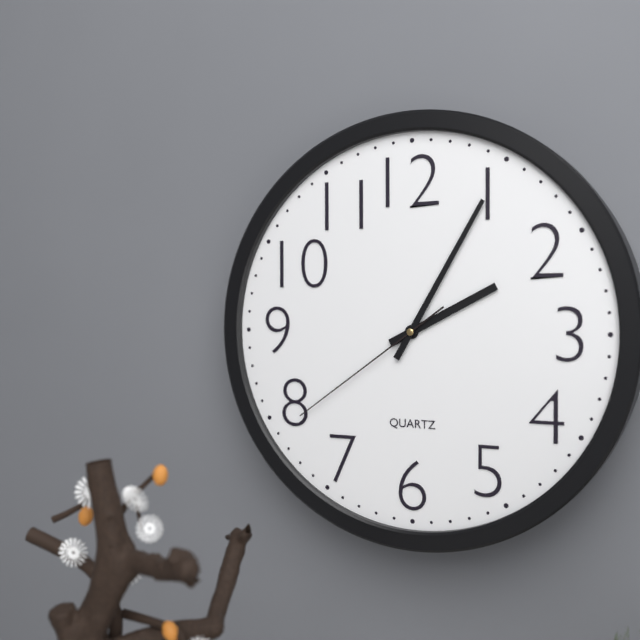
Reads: h=2 m=5 s=39
